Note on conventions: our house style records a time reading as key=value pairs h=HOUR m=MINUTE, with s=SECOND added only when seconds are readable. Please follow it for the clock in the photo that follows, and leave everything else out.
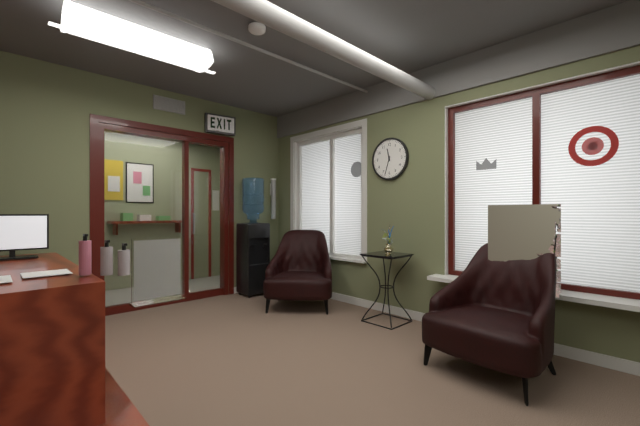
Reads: h=11 m=33
